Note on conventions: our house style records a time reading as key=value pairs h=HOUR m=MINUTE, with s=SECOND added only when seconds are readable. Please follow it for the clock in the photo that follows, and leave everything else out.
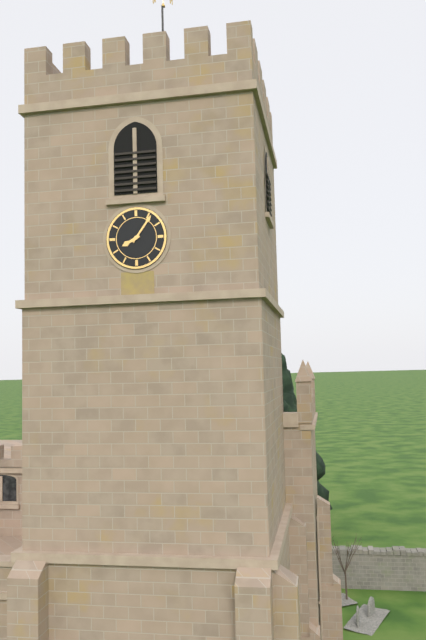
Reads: h=8 m=6
